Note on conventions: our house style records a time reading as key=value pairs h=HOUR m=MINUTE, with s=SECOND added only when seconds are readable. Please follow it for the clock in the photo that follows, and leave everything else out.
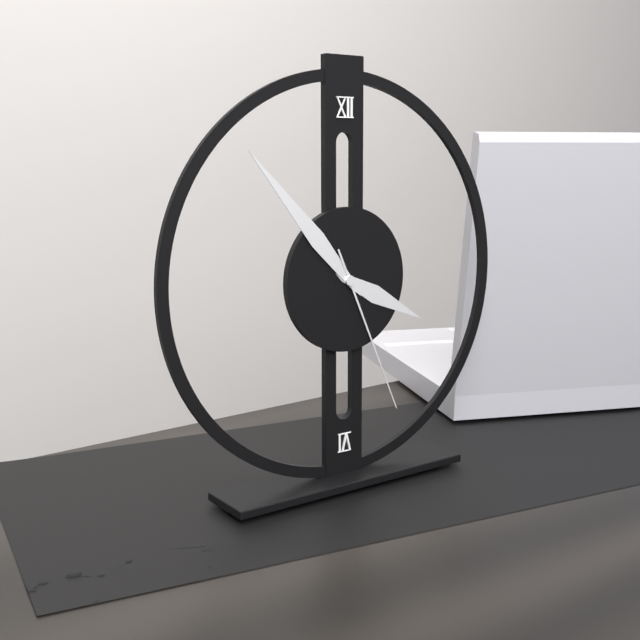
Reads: h=3 m=53 s=26
